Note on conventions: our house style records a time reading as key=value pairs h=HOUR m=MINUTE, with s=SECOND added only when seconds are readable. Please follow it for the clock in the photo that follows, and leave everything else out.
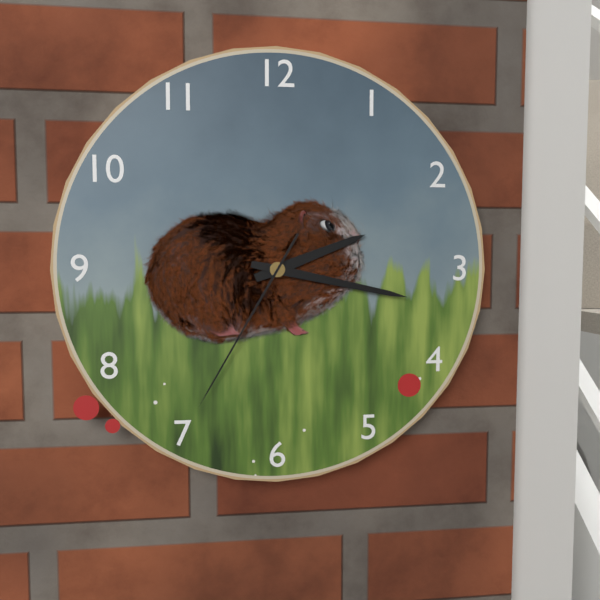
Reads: h=2 m=17 s=35
